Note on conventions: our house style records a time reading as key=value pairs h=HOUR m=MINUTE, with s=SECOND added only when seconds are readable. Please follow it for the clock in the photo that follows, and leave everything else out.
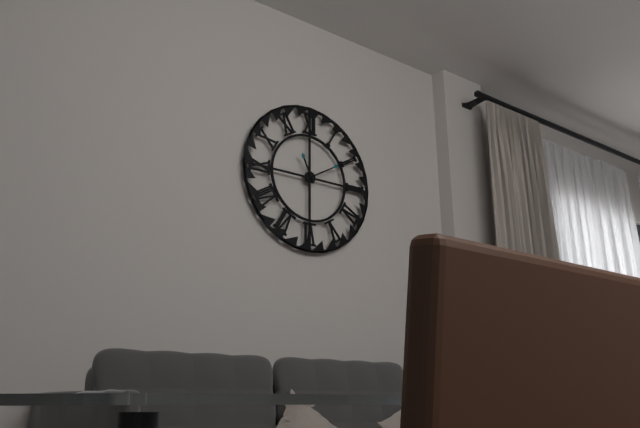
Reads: h=11 m=10
